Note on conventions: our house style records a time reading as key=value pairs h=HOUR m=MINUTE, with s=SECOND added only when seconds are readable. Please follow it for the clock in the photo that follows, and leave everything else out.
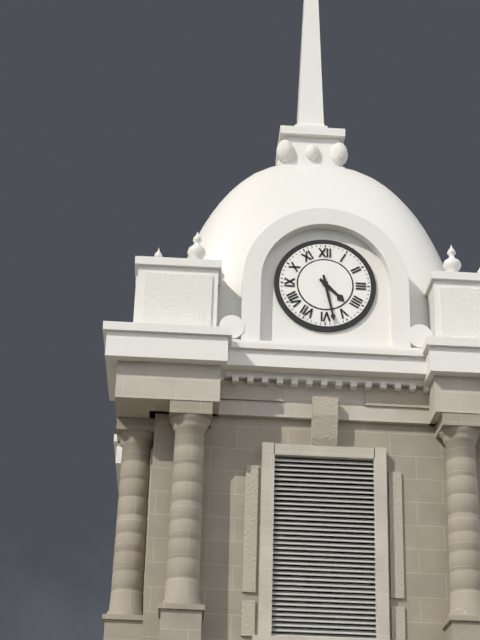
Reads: h=4 m=28
